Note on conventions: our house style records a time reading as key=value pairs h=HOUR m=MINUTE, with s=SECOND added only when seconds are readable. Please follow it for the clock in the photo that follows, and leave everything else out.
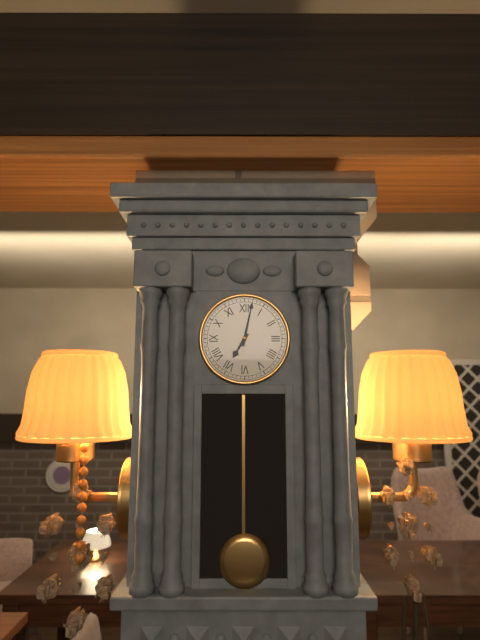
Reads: h=7 m=2
